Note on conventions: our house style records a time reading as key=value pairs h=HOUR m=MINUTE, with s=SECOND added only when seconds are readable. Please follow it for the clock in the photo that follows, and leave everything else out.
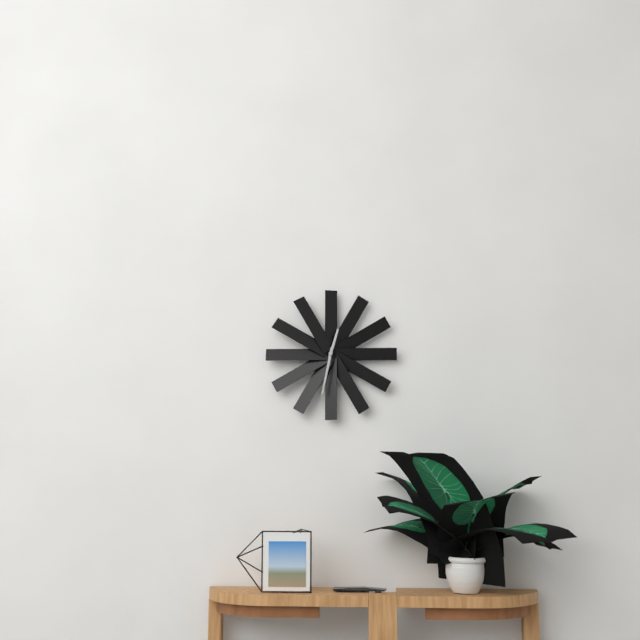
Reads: h=12 m=32
